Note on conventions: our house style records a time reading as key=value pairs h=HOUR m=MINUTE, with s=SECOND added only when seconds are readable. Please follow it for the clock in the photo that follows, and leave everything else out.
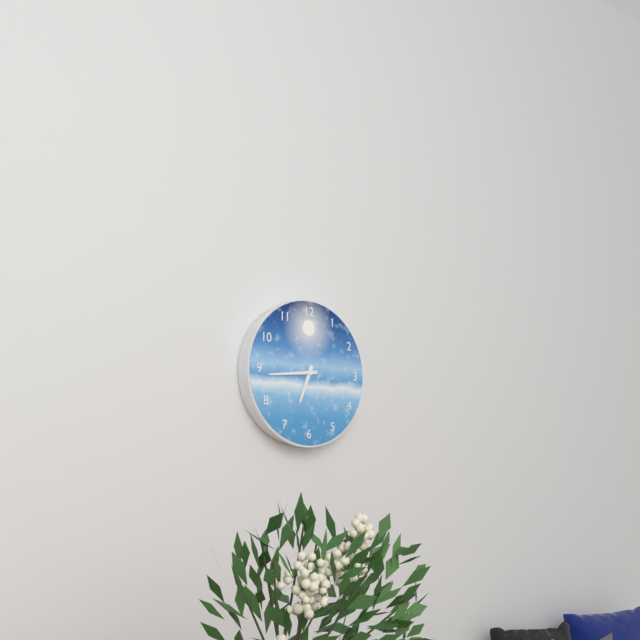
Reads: h=6 m=44
